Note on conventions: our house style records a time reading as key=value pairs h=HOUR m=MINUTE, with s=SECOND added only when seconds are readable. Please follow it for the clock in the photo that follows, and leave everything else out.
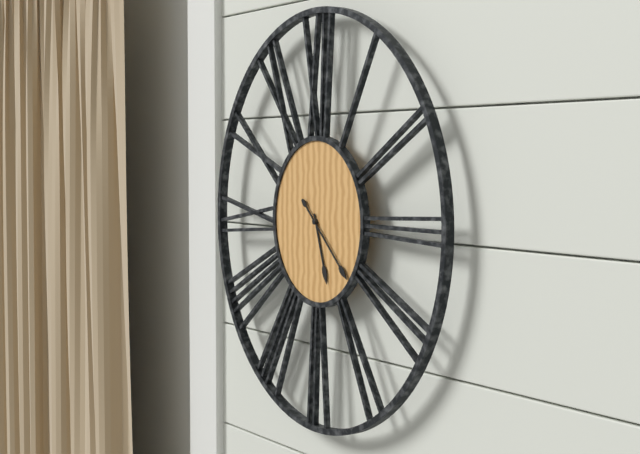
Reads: h=5 m=22
